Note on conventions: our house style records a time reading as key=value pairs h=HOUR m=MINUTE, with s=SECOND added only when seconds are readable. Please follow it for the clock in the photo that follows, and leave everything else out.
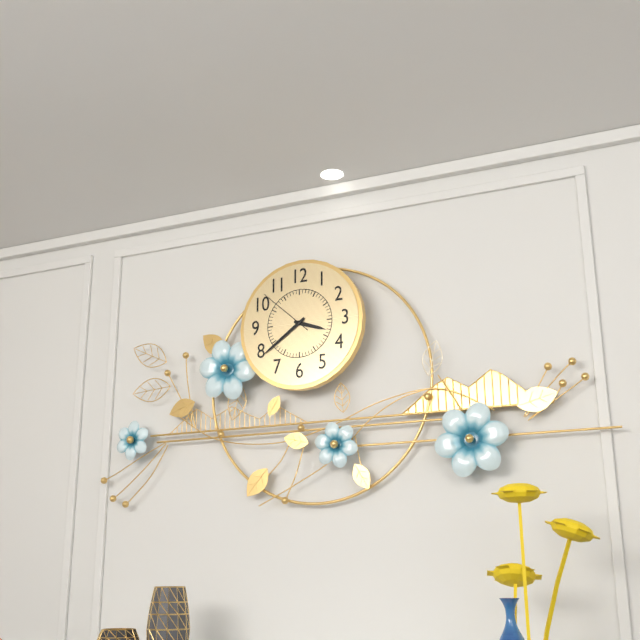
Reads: h=3 m=39 s=52
